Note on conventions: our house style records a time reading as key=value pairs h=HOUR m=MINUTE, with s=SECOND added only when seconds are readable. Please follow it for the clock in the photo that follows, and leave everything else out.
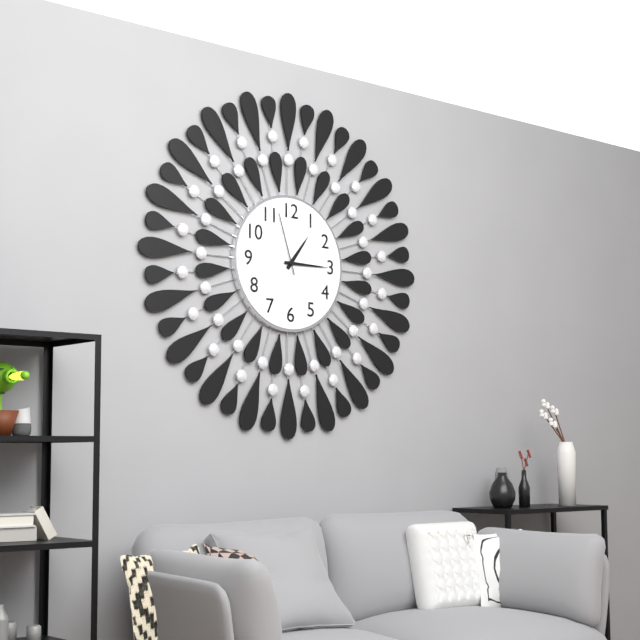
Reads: h=1 m=15 s=57
